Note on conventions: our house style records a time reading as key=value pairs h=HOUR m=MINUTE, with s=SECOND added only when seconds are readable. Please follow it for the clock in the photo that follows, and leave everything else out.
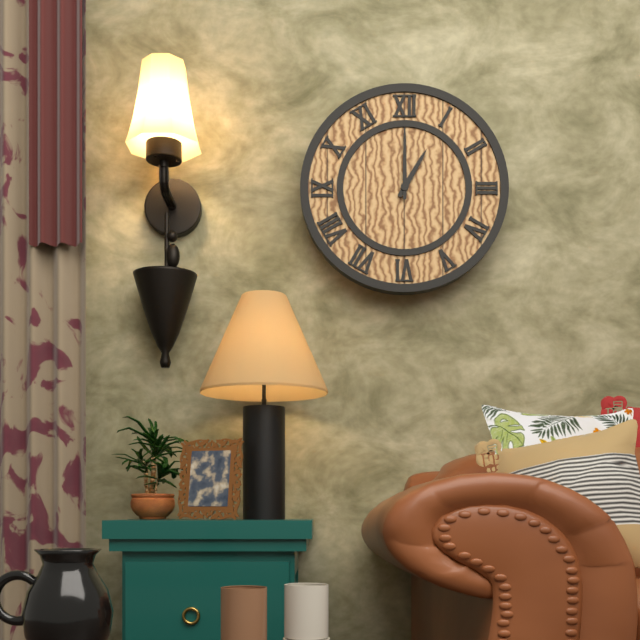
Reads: h=1 m=0
